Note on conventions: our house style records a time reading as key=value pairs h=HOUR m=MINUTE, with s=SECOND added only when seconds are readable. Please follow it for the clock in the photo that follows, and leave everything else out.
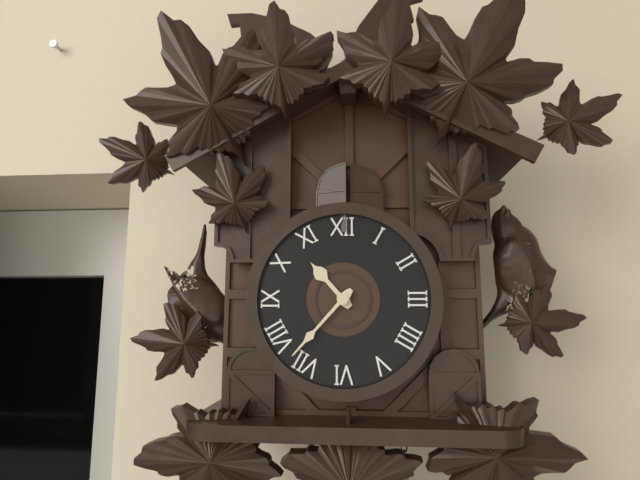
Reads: h=10 m=37
